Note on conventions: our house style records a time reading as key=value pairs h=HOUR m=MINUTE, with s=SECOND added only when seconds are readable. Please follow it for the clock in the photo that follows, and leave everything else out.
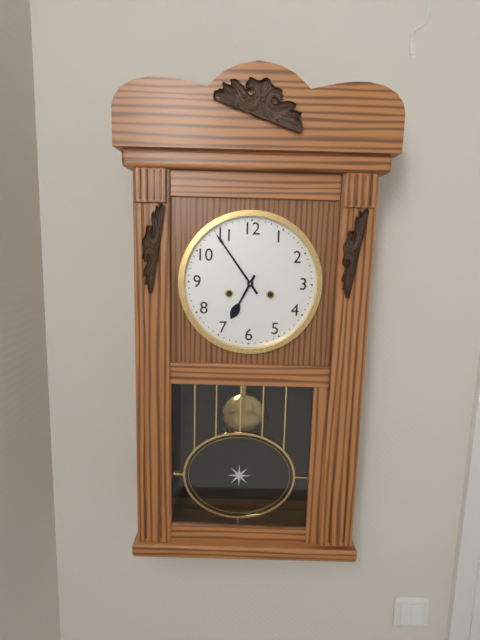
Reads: h=6 m=54
